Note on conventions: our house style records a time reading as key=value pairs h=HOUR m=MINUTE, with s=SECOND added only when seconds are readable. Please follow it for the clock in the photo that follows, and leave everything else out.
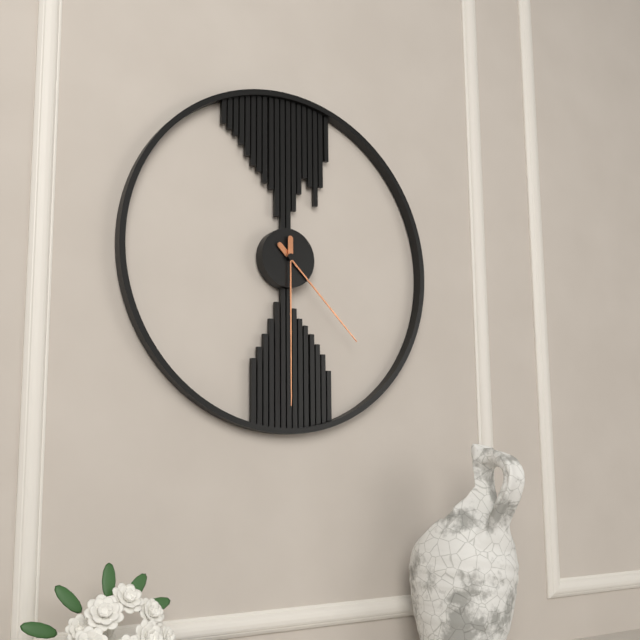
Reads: h=4 m=30
